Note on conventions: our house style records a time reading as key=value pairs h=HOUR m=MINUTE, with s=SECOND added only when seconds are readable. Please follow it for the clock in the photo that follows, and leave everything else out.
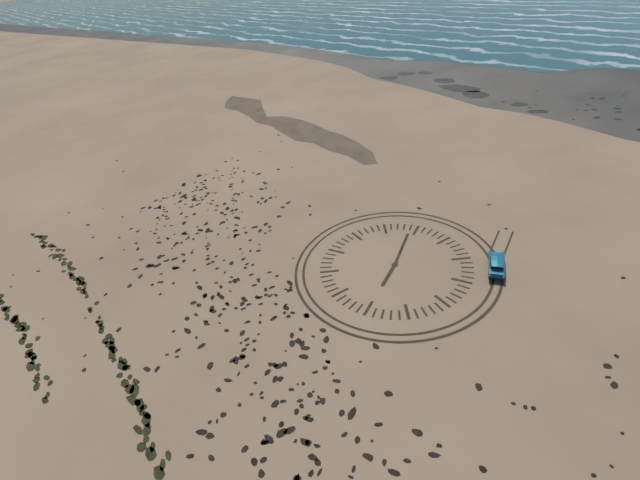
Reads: h=5 m=59
